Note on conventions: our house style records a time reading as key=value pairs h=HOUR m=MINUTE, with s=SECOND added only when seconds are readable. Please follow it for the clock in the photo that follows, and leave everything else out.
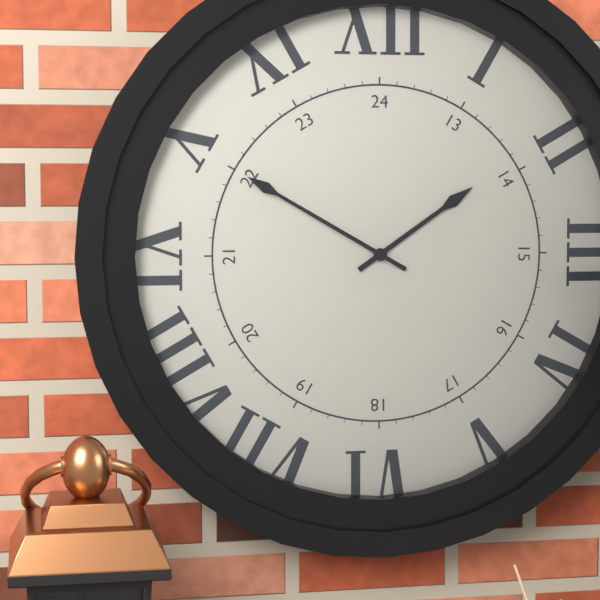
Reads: h=1 m=50
